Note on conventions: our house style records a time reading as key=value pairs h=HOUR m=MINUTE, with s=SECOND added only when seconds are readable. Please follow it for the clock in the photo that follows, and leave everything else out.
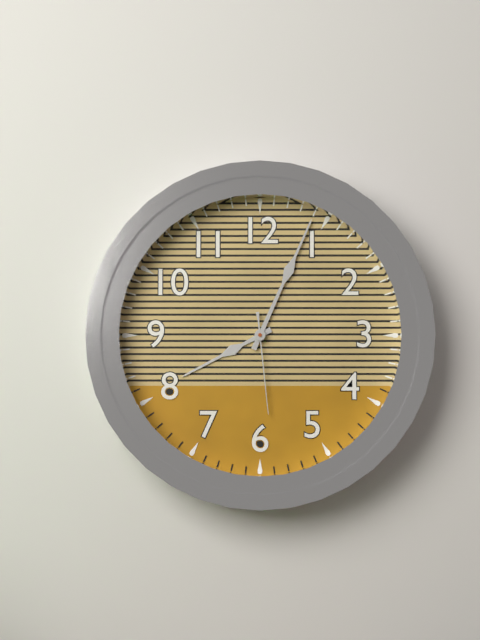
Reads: h=8 m=4 s=29
